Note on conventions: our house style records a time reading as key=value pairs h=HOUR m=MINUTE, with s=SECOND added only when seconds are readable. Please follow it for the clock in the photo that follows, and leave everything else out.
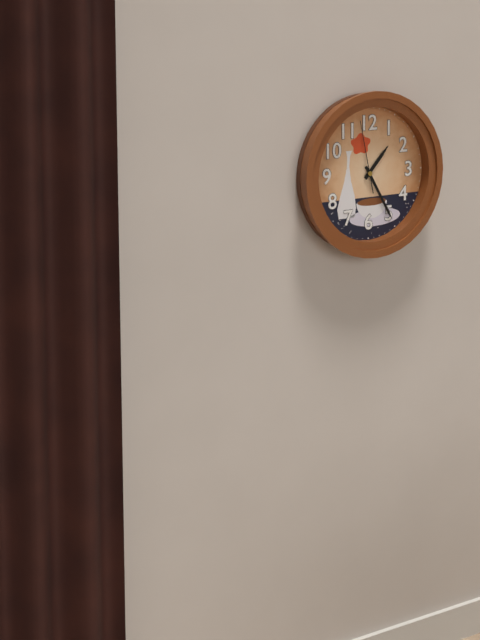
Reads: h=1 m=25 s=58
